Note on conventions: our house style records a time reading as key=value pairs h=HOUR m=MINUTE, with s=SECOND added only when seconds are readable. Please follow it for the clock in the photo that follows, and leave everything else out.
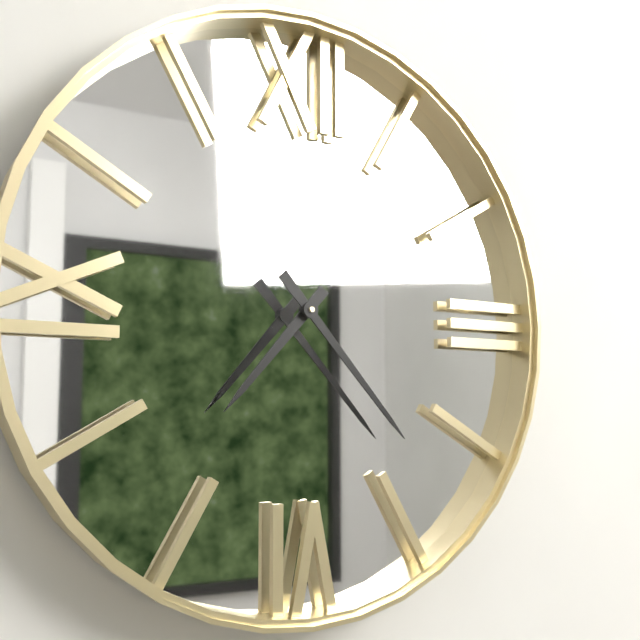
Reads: h=7 m=23
